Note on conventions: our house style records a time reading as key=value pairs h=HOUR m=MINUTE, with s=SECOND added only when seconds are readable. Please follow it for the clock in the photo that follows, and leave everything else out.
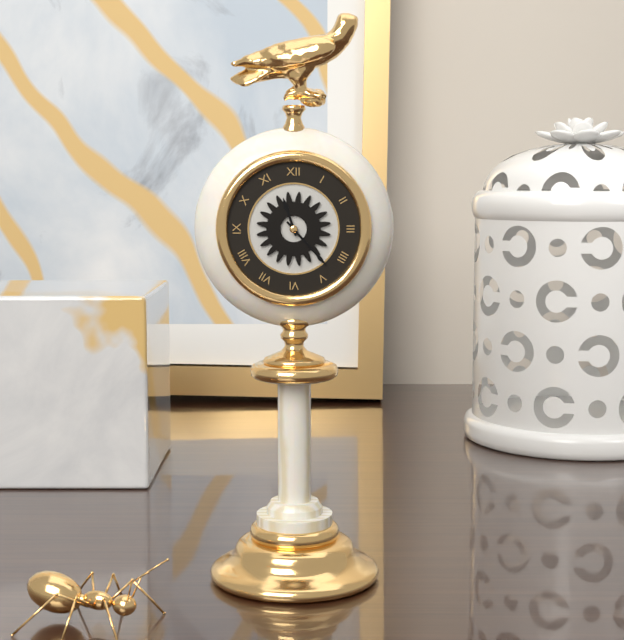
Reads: h=11 m=23
